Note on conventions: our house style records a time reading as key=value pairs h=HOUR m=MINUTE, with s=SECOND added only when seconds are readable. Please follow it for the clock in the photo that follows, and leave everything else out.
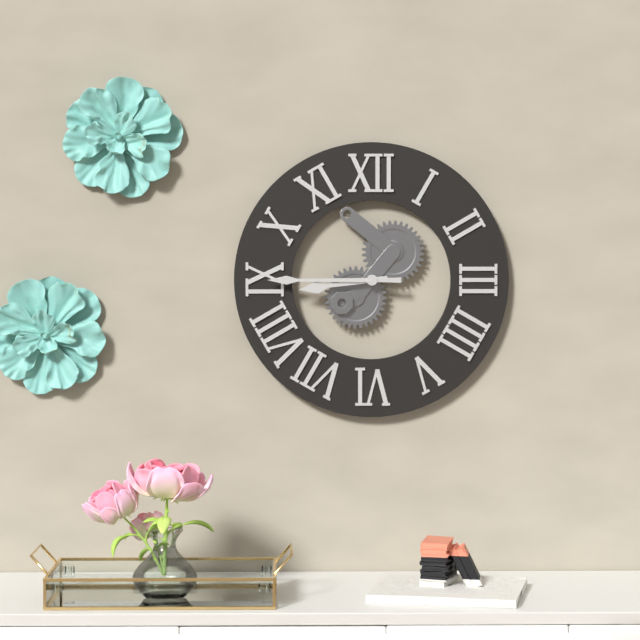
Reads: h=8 m=45
